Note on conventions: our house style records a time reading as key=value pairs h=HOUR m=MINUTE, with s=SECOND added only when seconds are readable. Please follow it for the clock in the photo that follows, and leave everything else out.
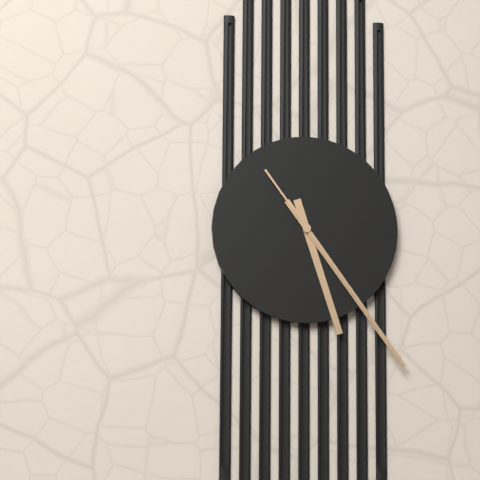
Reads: h=5 m=24 s=24
